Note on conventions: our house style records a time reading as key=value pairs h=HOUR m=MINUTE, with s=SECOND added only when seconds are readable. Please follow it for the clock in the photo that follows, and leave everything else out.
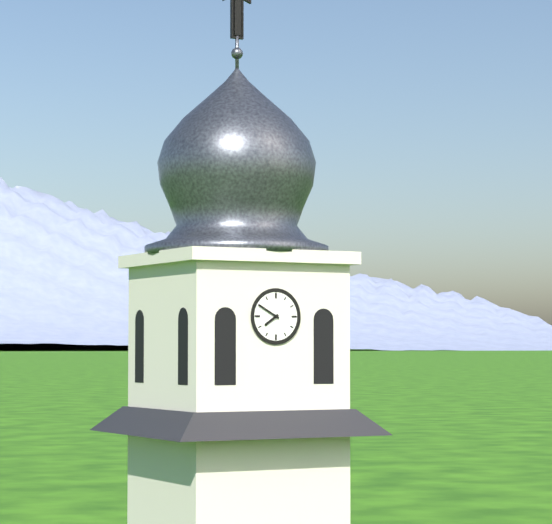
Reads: h=7 m=50
